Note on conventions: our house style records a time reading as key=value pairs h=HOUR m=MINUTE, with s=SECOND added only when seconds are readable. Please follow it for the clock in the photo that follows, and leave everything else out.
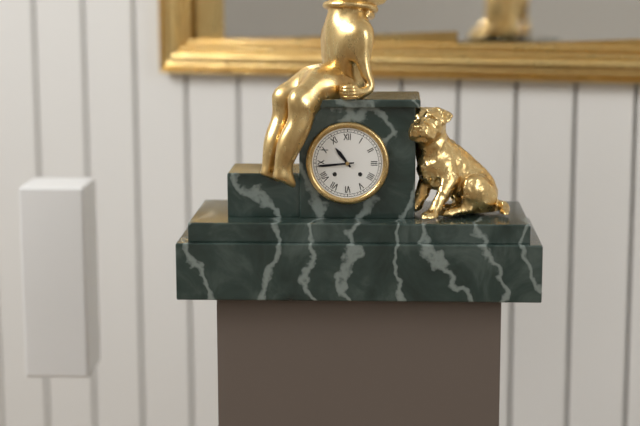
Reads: h=10 m=44
